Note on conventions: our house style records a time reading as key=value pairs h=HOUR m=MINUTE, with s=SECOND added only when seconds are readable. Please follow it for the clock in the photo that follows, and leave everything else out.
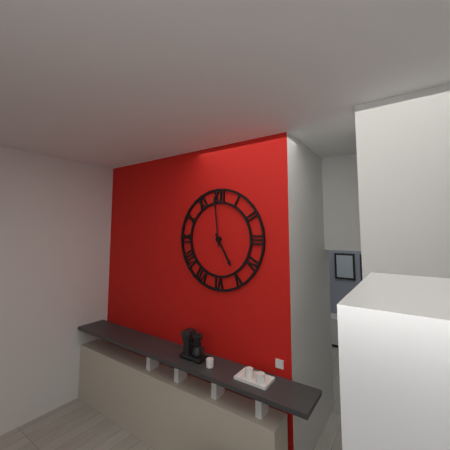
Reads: h=4 m=59
